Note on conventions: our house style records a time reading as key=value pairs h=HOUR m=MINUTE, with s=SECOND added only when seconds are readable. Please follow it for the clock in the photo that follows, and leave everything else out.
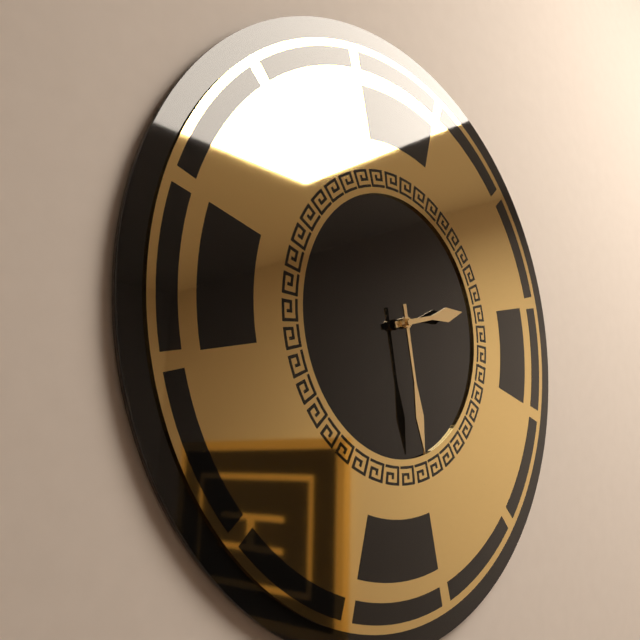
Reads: h=2 m=28
